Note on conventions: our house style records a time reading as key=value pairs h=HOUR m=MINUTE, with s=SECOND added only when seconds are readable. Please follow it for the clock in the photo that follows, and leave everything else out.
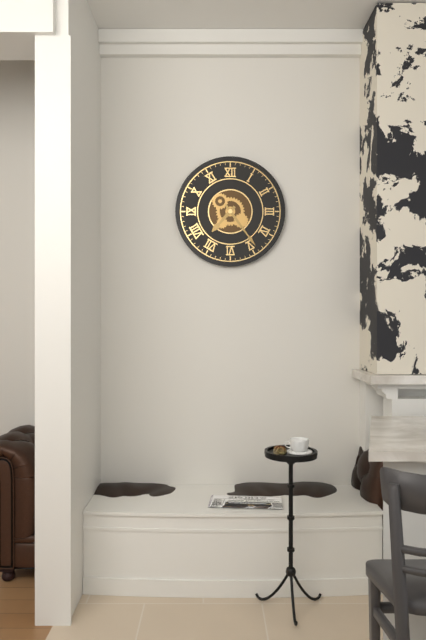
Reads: h=7 m=24
